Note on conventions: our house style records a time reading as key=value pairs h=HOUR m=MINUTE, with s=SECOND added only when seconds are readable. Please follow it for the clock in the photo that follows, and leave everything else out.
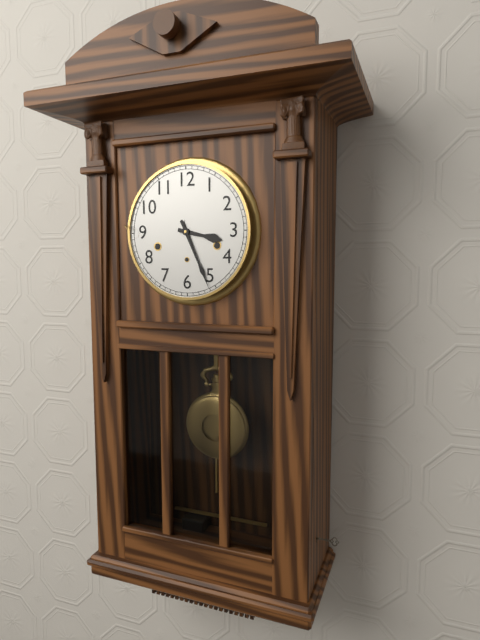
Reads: h=3 m=26
